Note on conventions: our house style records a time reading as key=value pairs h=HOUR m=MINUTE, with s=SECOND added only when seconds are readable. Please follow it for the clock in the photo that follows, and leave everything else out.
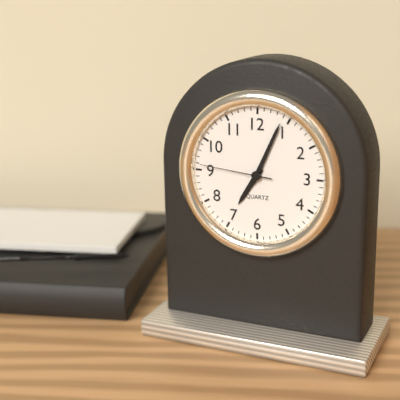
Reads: h=7 m=4 s=46
